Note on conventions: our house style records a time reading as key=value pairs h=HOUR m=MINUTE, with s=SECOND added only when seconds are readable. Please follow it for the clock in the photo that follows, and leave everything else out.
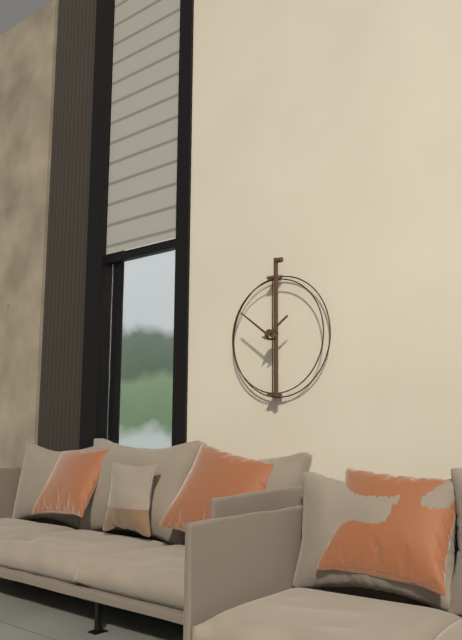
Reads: h=1 m=51
